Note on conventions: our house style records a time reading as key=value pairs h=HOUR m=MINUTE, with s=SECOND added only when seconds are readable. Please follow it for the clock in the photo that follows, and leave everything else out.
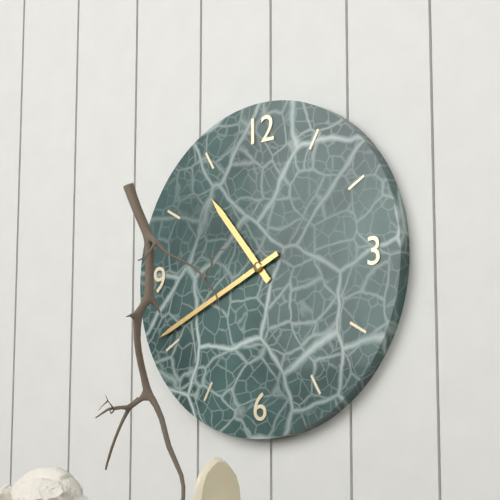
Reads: h=10 m=41
